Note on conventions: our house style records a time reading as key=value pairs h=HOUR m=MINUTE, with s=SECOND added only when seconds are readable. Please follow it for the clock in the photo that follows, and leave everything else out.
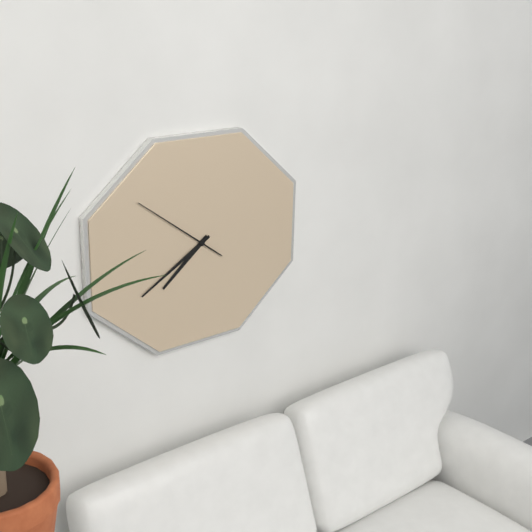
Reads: h=7 m=40 s=51
